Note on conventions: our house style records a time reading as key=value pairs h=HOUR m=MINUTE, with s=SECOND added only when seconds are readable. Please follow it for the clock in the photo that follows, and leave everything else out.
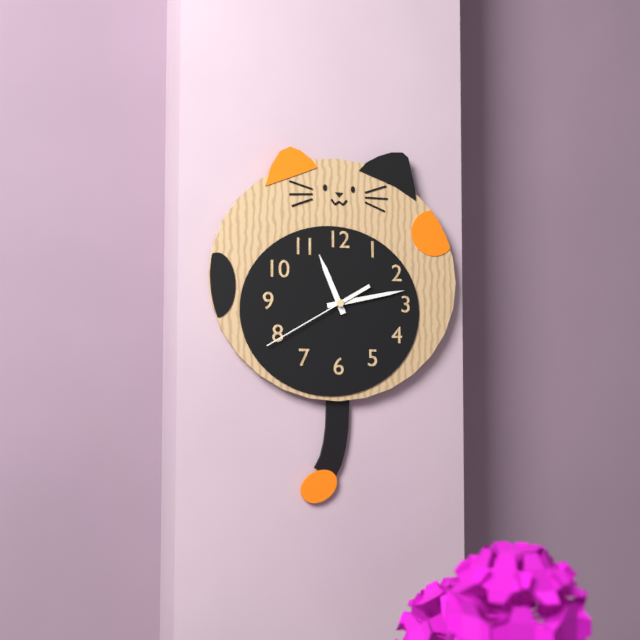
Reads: h=11 m=13 s=40
